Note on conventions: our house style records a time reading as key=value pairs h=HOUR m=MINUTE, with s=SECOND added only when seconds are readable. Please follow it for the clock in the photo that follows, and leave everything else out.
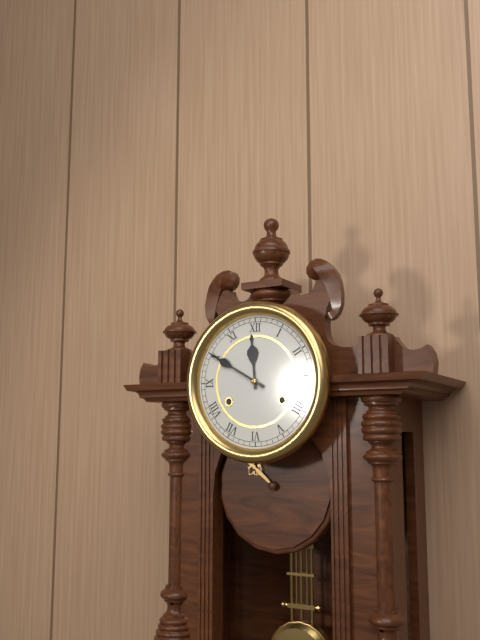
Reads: h=11 m=50
